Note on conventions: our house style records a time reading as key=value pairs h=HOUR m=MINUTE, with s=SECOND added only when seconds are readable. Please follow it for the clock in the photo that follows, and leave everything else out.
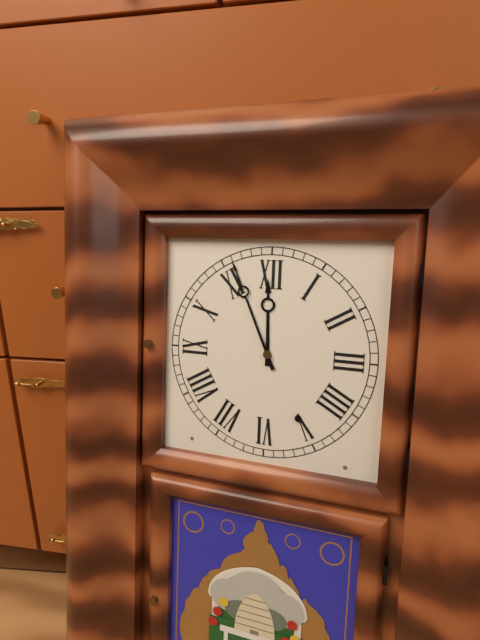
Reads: h=11 m=56
